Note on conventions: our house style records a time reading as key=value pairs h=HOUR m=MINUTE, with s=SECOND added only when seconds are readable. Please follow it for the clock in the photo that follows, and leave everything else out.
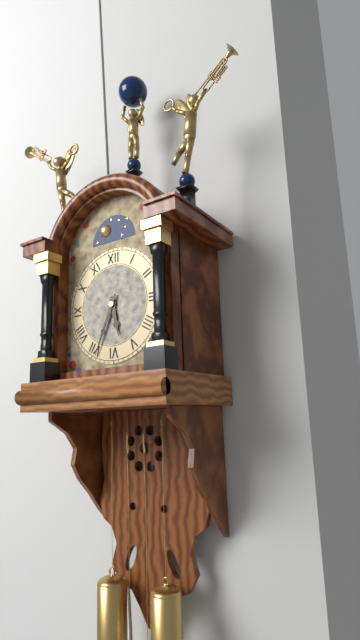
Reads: h=5 m=34
